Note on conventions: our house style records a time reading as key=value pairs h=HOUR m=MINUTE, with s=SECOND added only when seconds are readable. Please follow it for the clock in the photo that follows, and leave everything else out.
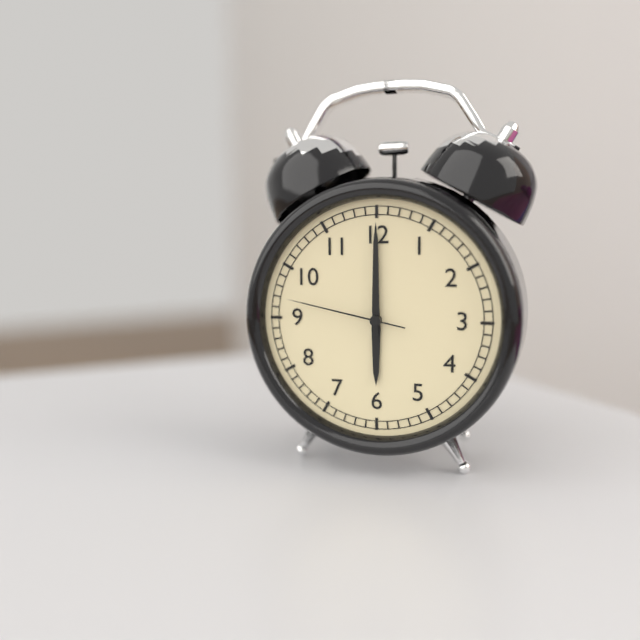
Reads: h=6 m=0 s=47
